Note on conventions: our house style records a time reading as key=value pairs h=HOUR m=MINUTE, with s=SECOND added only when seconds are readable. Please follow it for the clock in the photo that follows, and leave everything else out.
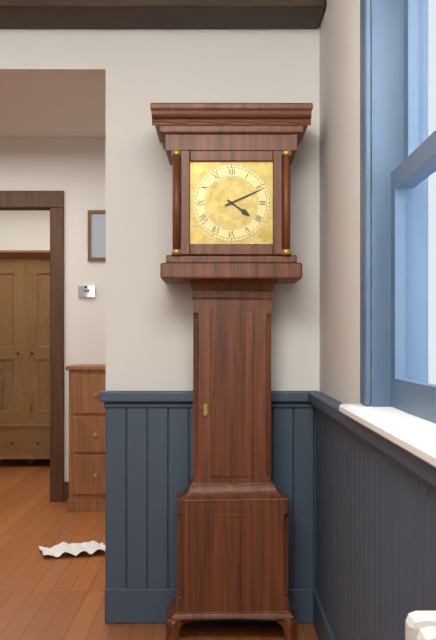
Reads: h=4 m=11
